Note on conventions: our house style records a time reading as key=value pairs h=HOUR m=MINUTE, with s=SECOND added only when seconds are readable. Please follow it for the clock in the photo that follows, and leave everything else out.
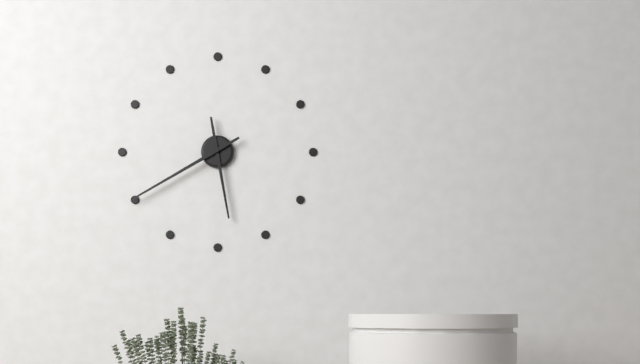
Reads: h=5 m=40
